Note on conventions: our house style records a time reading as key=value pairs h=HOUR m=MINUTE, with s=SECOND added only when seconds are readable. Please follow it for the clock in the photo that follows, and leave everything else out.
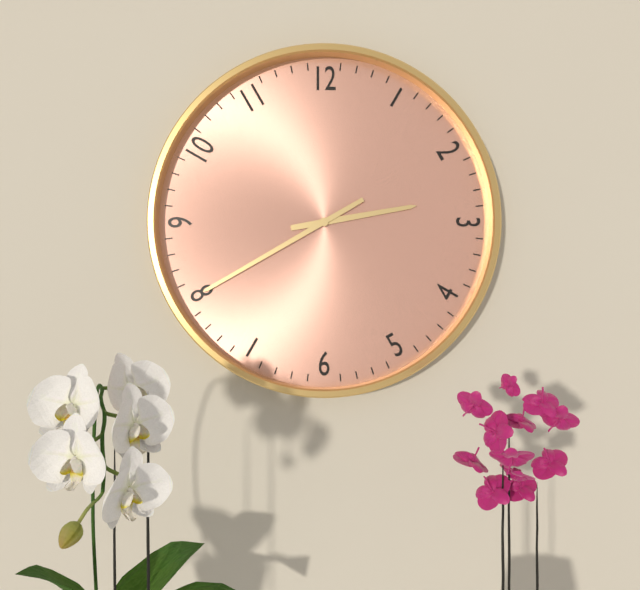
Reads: h=2 m=40
